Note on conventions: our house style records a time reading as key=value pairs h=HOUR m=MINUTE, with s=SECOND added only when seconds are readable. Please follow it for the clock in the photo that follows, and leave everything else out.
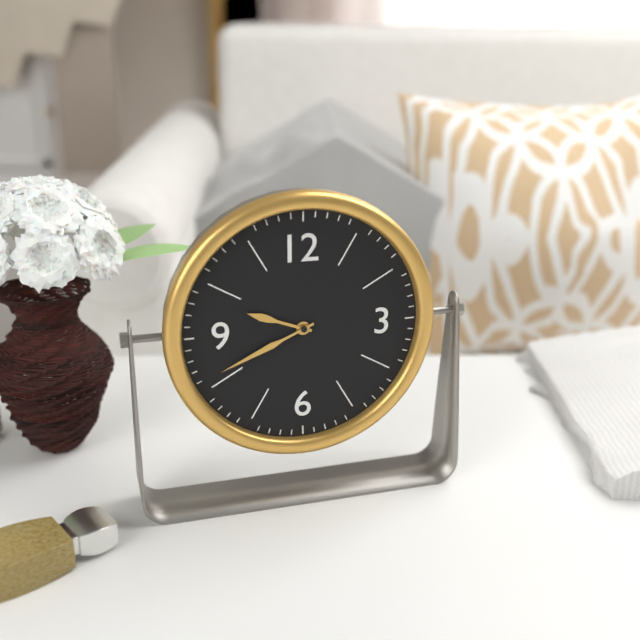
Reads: h=9 m=41
